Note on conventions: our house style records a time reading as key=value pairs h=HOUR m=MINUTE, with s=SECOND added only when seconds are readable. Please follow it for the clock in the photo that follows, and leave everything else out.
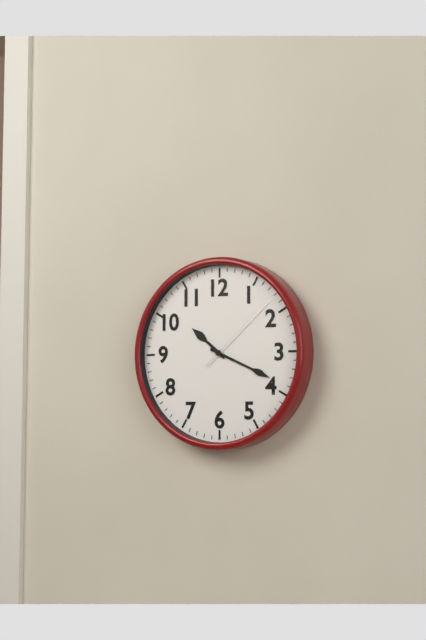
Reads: h=10 m=19 s=8
